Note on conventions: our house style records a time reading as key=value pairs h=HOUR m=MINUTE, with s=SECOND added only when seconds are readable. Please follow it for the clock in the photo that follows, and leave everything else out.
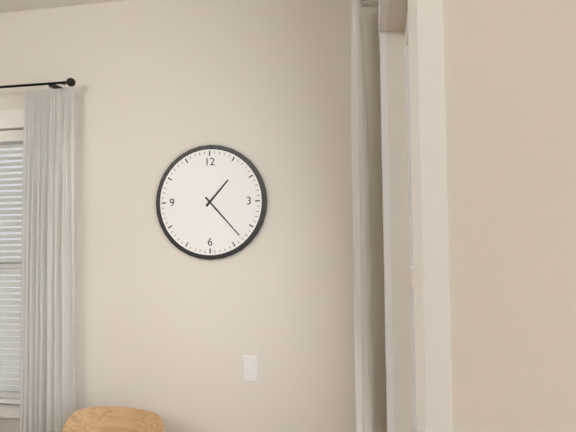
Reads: h=1 m=23
